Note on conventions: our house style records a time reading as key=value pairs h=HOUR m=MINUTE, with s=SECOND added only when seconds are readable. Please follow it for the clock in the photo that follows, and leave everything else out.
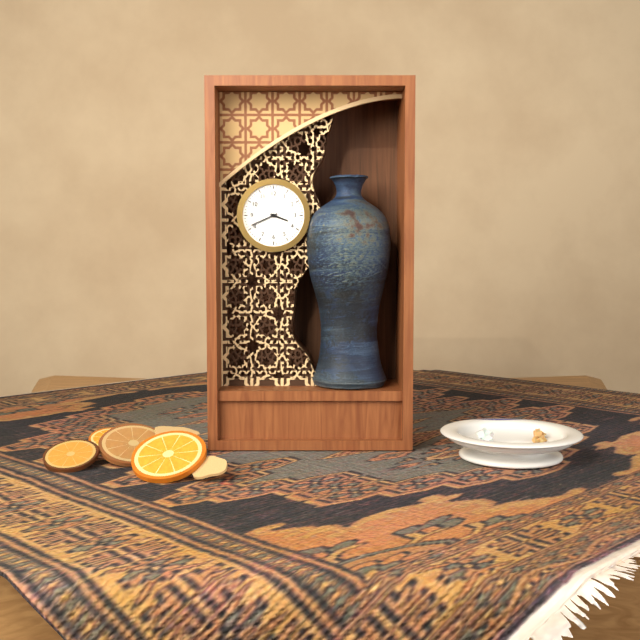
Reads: h=3 m=41
